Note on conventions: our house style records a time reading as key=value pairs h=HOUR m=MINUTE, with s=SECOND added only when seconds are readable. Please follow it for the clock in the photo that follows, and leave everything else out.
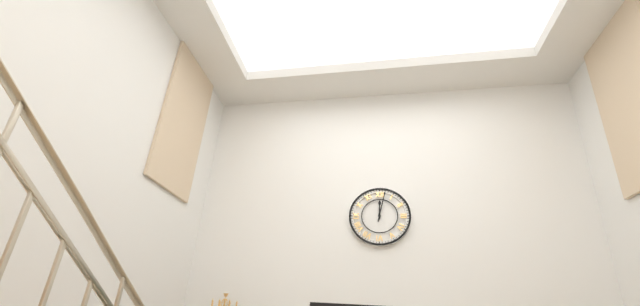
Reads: h=12 m=2
